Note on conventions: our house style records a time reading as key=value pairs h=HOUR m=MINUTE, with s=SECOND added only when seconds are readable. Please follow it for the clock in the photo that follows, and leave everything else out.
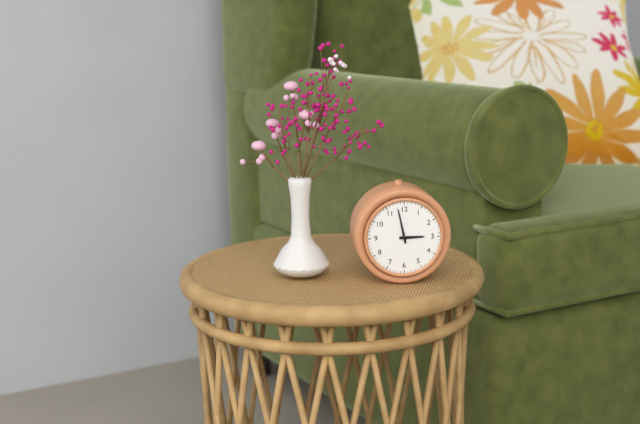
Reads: h=2 m=58
